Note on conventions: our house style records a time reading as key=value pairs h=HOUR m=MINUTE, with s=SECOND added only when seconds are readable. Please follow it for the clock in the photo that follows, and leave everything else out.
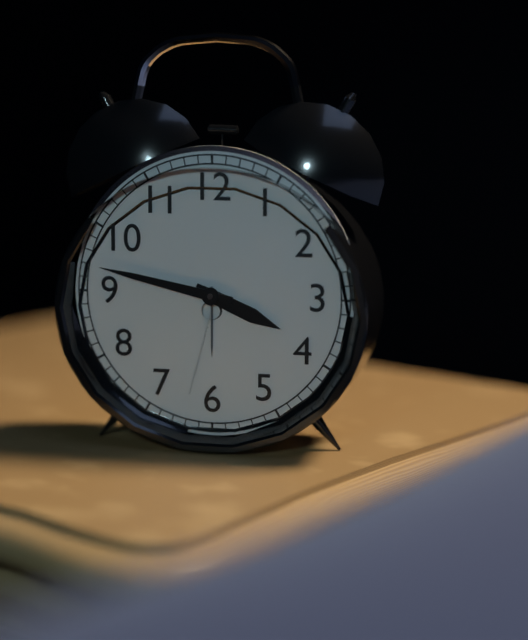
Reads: h=3 m=47
